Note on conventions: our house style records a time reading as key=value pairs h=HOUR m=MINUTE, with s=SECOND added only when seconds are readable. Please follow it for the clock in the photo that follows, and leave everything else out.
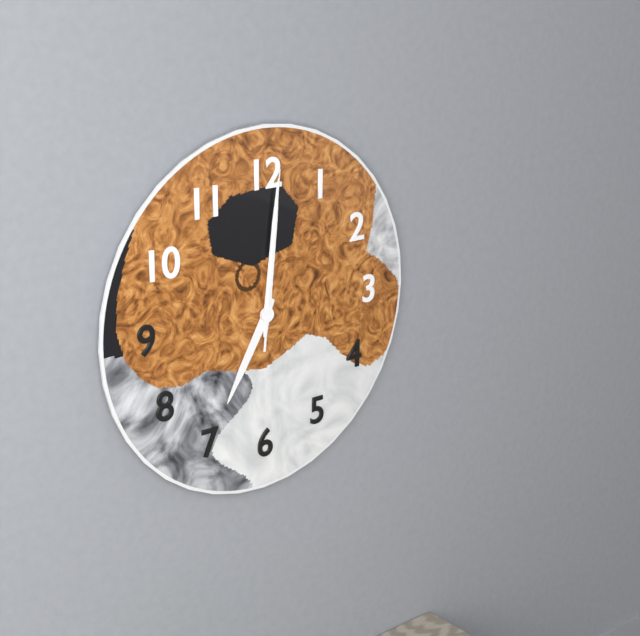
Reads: h=7 m=1 s=1
